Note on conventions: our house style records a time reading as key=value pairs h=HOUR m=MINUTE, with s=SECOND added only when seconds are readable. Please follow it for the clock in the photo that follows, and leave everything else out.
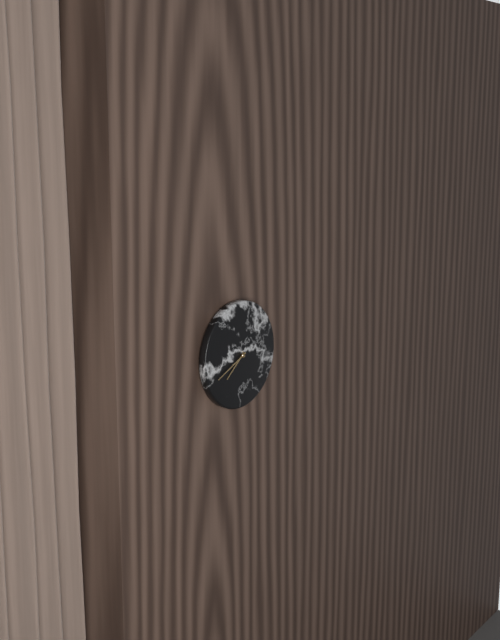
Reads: h=7 m=41
